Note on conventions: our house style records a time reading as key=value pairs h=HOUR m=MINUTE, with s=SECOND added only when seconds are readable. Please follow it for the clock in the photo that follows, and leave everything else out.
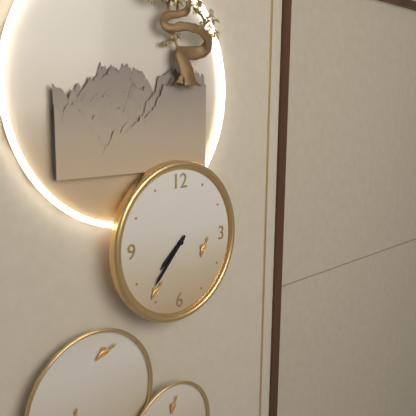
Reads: h=7 m=37
